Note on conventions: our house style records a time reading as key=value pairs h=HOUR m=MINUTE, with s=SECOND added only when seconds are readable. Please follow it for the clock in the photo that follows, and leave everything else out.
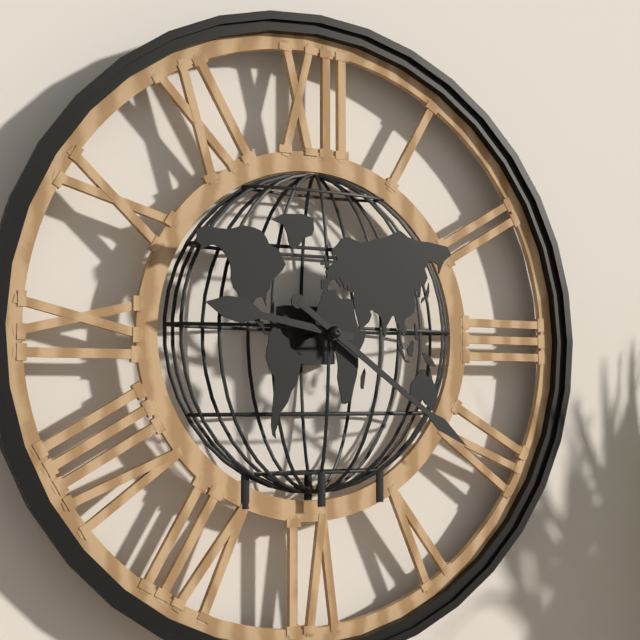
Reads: h=9 m=21
